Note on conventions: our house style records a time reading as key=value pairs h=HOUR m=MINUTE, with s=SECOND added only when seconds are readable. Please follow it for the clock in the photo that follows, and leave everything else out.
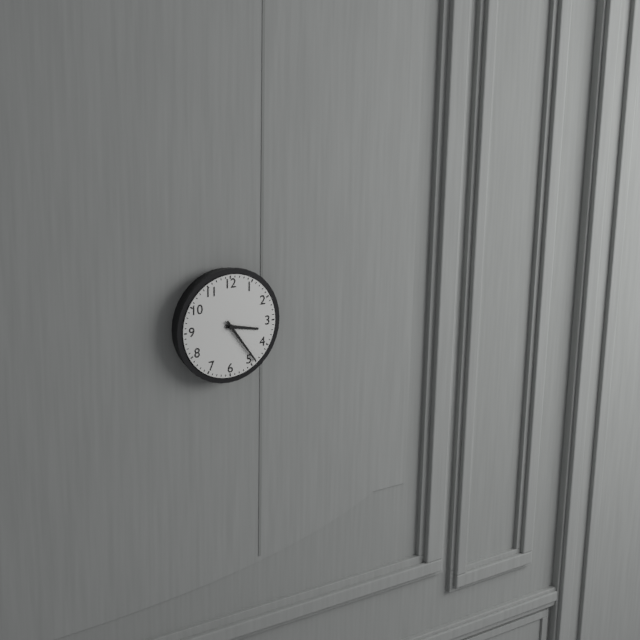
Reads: h=3 m=24
